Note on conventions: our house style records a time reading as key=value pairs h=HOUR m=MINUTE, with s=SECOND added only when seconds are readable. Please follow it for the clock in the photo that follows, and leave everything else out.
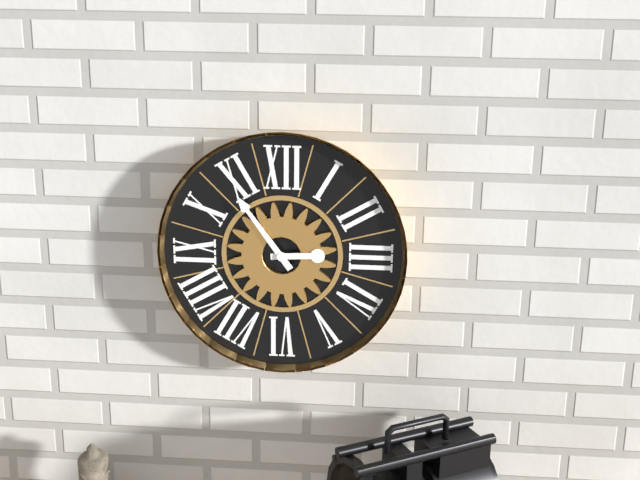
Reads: h=2 m=54
